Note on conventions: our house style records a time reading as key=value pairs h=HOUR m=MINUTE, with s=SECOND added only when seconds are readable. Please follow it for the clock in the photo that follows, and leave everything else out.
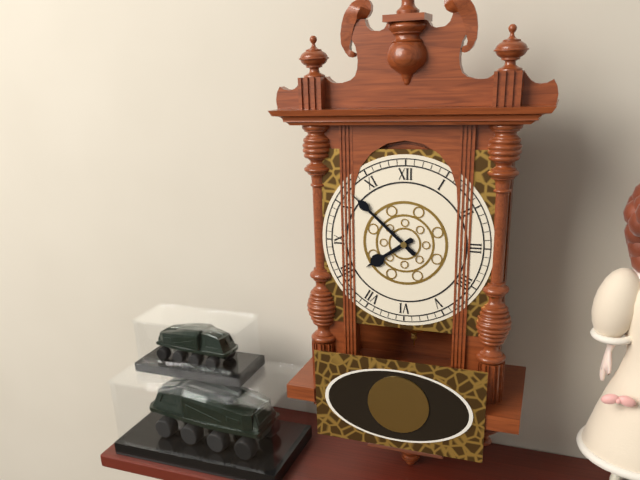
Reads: h=7 m=52
